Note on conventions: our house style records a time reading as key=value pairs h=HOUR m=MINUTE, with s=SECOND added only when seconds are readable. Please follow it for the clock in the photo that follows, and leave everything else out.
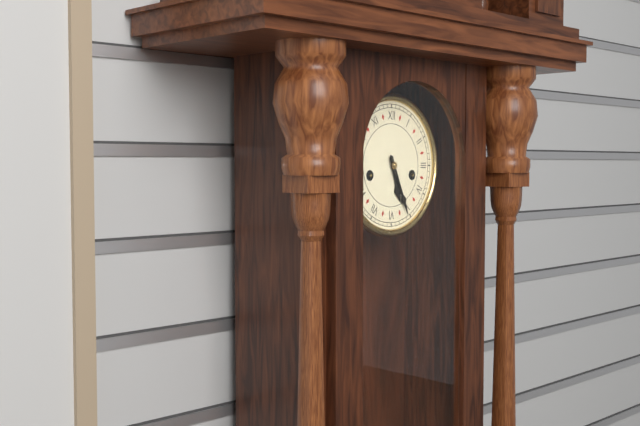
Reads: h=5 m=26
